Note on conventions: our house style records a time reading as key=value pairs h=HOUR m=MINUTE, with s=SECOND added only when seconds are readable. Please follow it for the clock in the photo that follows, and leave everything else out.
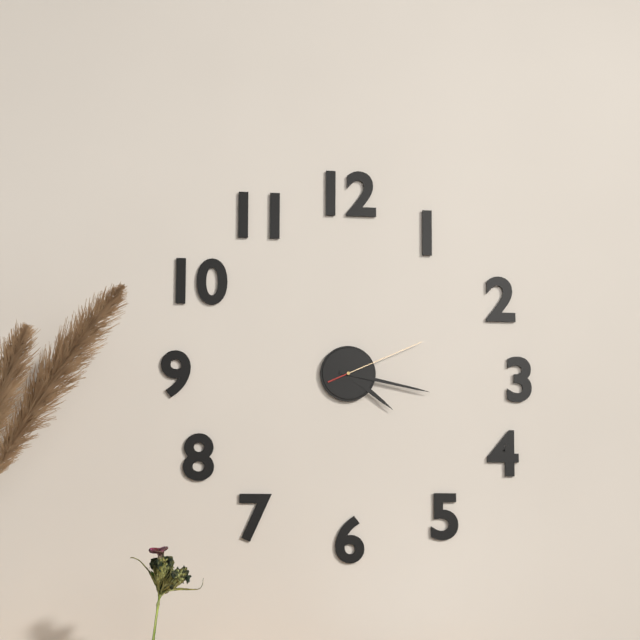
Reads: h=4 m=17 s=11
